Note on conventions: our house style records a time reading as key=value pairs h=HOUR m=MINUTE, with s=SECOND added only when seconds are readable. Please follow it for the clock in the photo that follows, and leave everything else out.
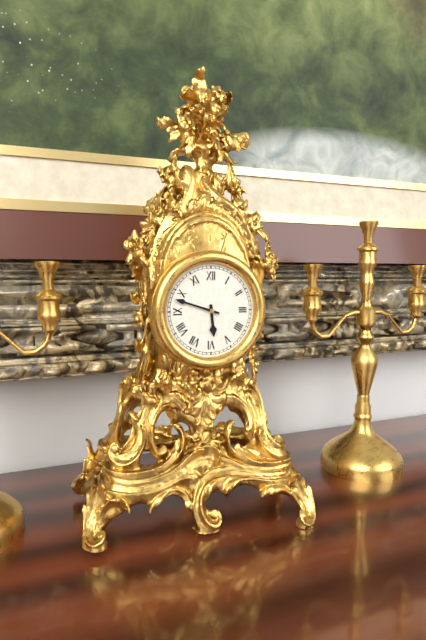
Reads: h=5 m=48
